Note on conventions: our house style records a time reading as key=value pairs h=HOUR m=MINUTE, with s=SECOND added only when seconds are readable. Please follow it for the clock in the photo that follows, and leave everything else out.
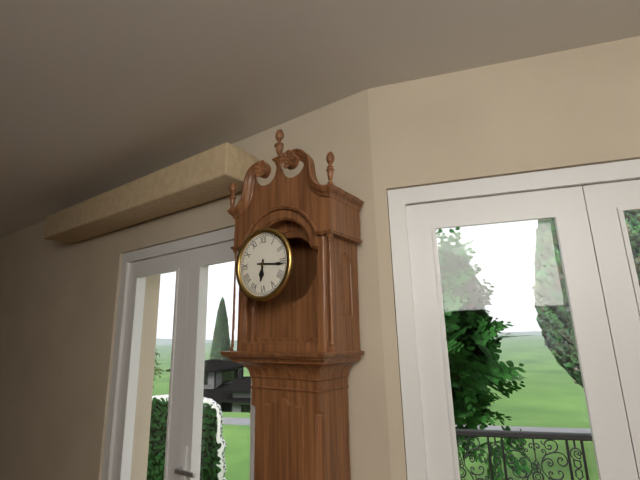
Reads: h=6 m=16
